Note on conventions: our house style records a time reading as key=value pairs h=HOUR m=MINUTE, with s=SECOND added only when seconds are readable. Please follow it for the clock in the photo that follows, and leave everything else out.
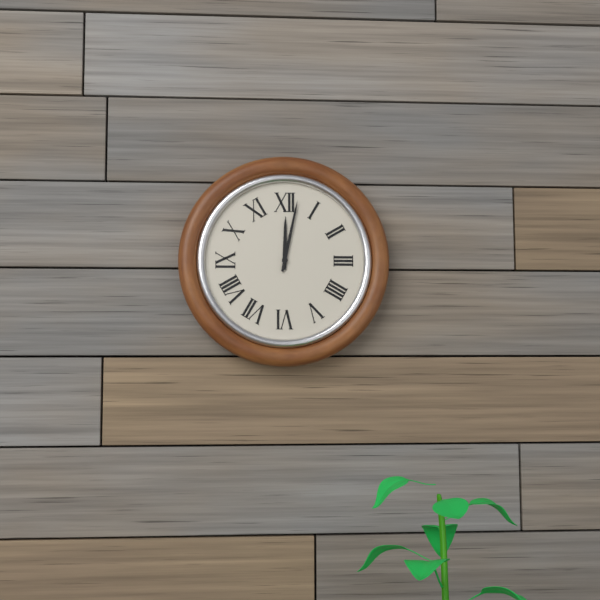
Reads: h=12 m=2
